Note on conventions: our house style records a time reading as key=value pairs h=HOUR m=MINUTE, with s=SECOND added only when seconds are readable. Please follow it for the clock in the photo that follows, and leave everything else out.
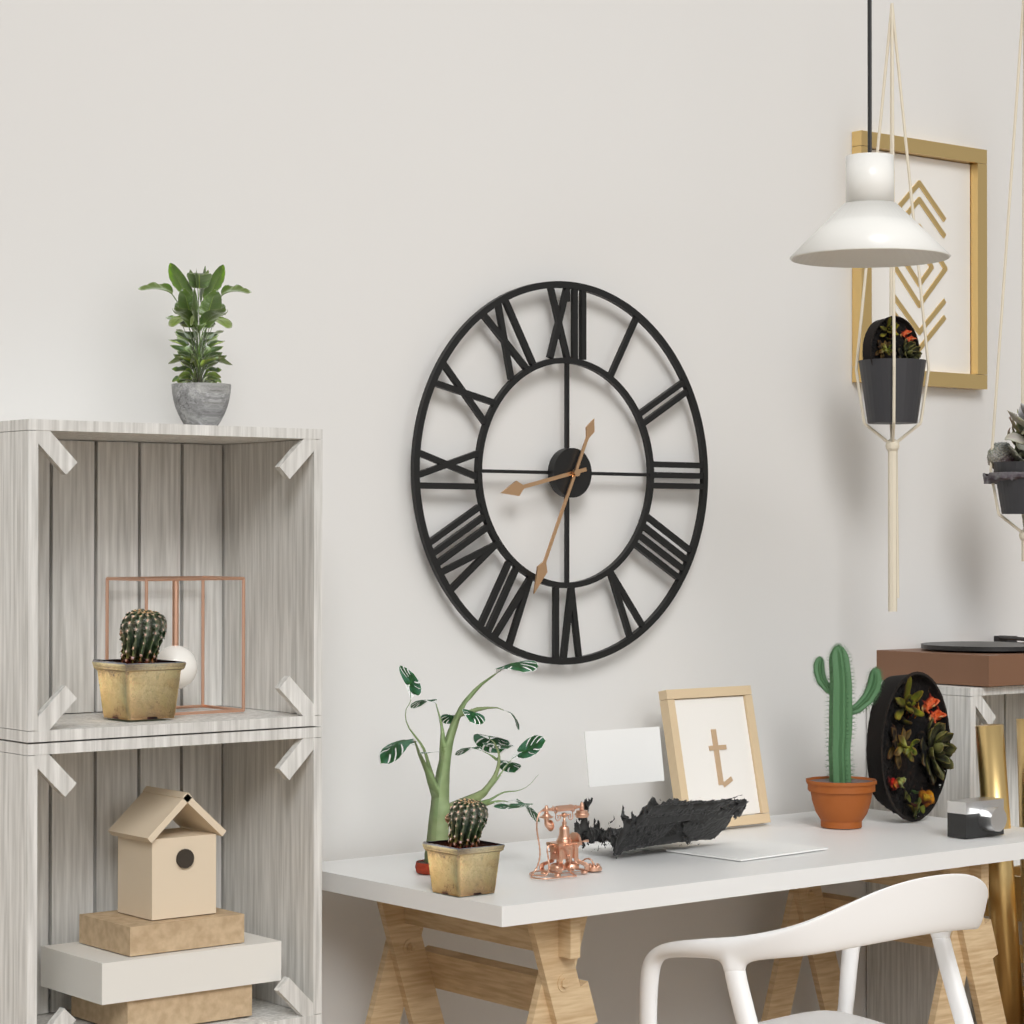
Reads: h=8 m=34
